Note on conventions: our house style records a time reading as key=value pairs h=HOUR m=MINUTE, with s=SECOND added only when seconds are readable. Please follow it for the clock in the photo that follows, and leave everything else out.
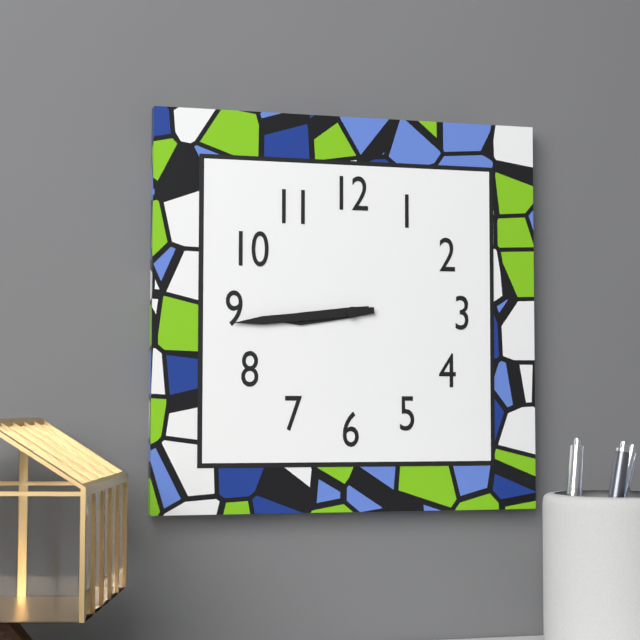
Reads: h=8 m=44
